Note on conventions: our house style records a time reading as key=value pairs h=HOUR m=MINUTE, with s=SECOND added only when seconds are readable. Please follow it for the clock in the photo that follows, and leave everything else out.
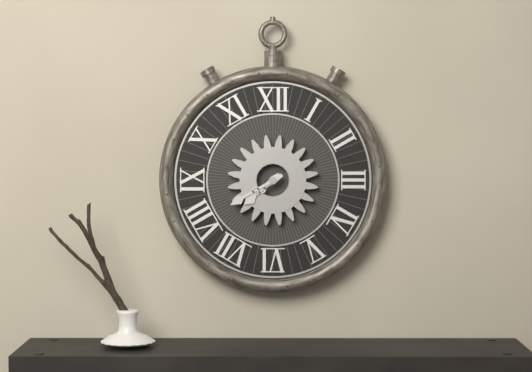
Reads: h=7 m=40
